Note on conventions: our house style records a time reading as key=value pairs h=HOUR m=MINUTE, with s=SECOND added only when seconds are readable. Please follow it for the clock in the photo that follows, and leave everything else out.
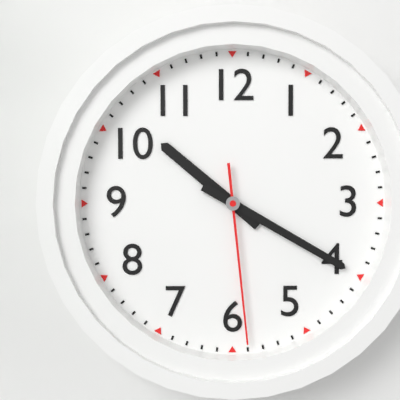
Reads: h=10 m=20 s=29
